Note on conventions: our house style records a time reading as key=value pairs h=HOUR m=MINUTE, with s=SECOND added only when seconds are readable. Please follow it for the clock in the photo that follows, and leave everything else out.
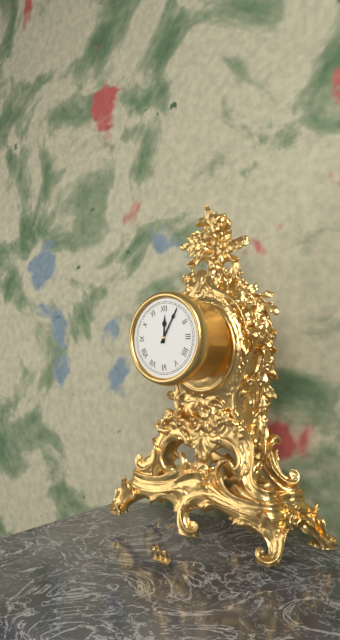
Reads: h=12 m=5
